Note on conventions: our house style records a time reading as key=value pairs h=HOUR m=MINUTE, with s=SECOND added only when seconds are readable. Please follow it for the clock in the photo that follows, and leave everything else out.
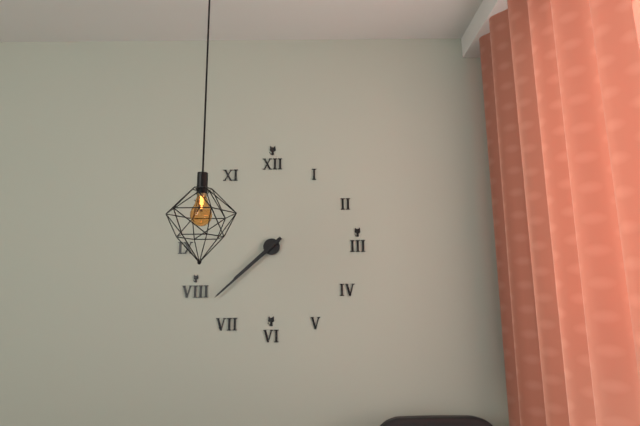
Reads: h=7 m=38
